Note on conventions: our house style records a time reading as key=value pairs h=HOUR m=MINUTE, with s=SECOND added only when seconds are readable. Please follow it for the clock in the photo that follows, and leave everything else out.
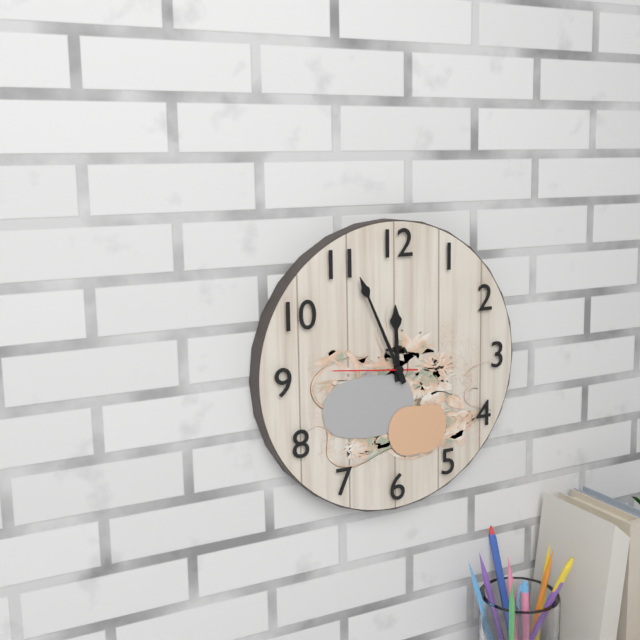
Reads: h=11 m=56 s=46
